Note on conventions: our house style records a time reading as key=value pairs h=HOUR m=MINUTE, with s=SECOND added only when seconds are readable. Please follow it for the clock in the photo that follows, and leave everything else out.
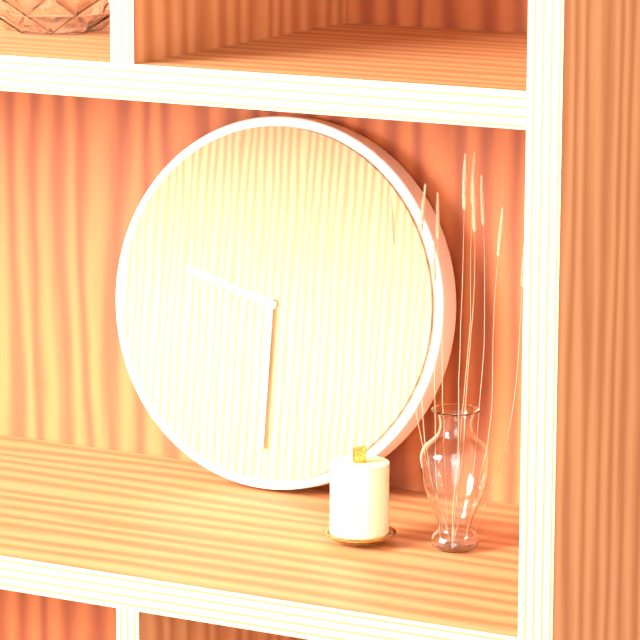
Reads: h=9 m=30
